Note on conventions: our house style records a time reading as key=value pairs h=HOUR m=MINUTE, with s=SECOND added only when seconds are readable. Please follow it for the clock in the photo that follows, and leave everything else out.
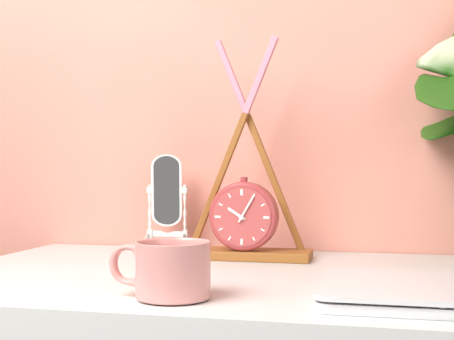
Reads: h=10 m=5
